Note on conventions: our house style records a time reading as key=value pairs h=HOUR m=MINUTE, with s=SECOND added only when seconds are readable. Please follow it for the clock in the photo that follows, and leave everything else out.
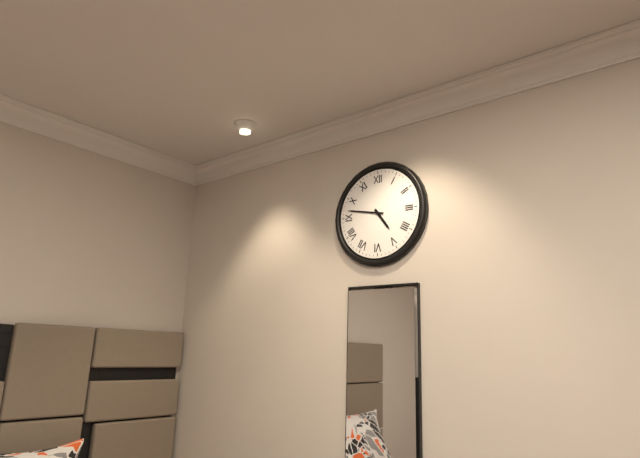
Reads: h=4 m=47
